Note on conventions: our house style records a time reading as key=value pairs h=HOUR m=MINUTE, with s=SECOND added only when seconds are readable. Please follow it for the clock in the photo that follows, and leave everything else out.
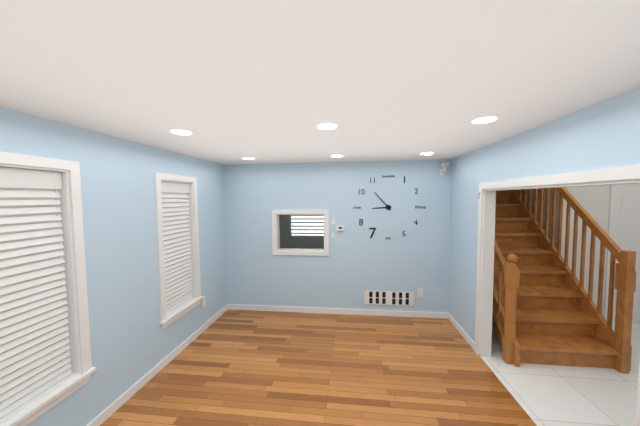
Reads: h=8 m=53
